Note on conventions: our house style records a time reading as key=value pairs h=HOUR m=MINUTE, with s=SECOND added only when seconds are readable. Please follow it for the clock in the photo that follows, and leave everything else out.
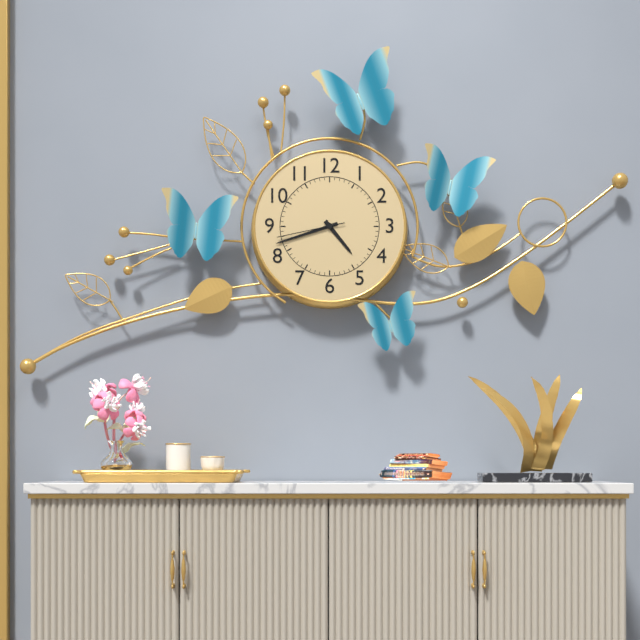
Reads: h=4 m=42 s=43
